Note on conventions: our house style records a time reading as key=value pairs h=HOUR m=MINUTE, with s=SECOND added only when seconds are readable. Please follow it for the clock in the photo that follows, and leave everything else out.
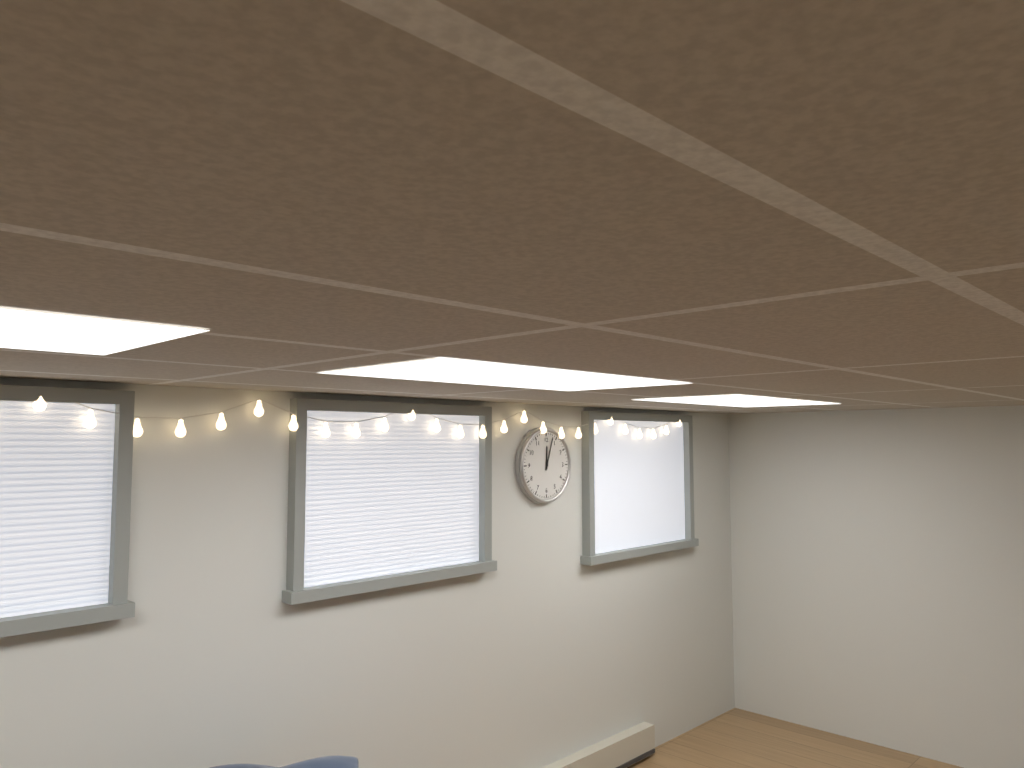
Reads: h=12 m=3
